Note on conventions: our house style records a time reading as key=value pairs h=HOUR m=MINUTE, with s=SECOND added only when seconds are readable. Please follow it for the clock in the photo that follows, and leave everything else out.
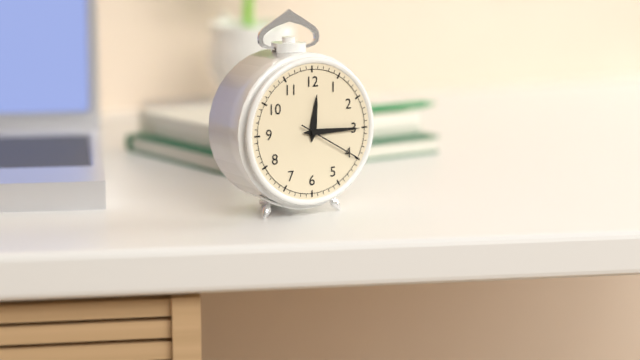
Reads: h=12 m=15 s=20
